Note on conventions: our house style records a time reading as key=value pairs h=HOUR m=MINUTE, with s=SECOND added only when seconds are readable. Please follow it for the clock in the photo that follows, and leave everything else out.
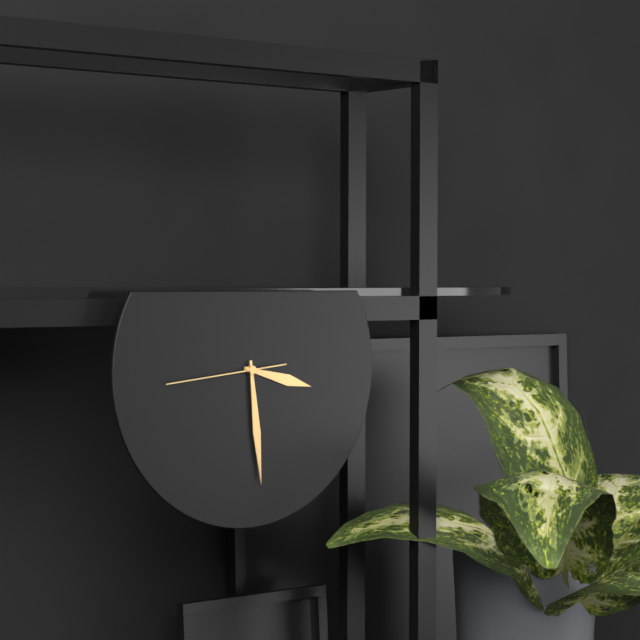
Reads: h=3 m=29 s=44
